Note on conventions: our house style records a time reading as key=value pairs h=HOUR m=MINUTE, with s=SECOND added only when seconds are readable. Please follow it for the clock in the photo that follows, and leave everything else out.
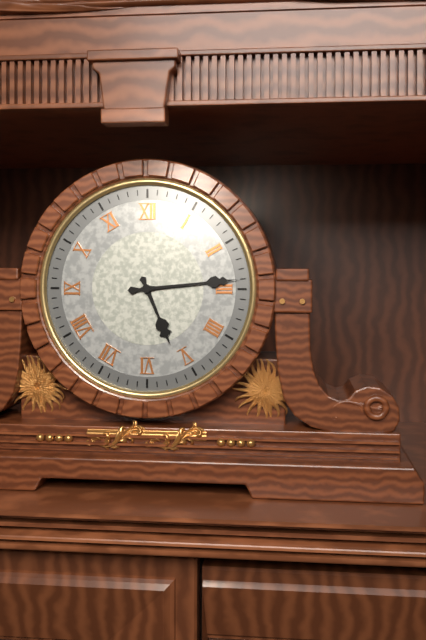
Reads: h=5 m=14
